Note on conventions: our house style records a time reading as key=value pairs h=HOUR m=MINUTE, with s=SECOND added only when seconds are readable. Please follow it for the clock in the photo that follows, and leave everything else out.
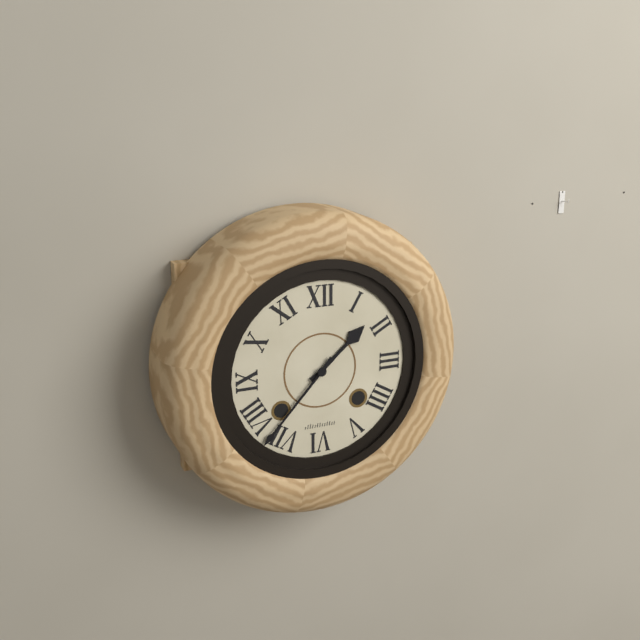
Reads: h=1 m=37
